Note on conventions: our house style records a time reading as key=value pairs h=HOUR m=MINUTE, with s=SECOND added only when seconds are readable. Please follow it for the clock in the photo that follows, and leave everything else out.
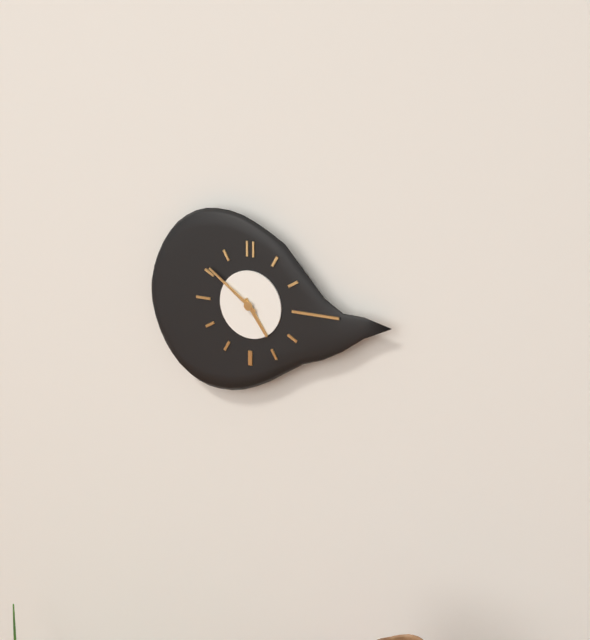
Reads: h=4 m=51
